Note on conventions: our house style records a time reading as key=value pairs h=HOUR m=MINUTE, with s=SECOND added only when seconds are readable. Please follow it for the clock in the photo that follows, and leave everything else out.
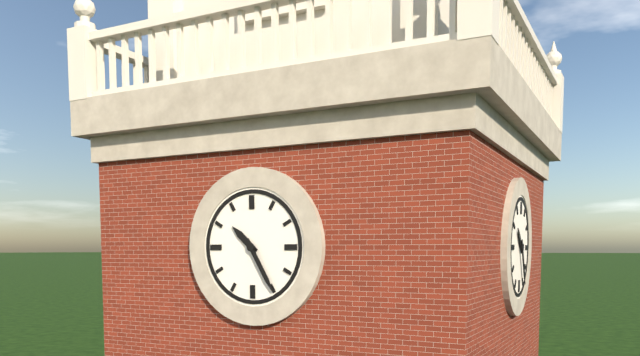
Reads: h=10 m=25
